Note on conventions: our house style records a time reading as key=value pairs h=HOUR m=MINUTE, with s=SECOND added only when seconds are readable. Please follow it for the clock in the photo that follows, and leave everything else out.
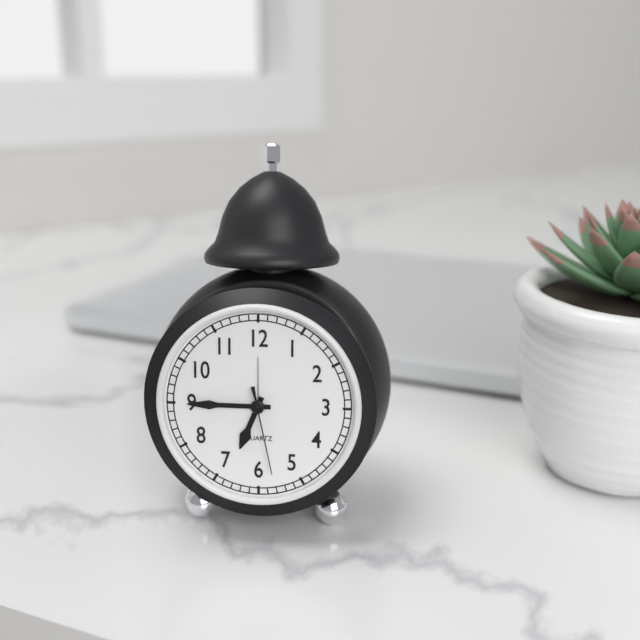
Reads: h=6 m=45 s=28
